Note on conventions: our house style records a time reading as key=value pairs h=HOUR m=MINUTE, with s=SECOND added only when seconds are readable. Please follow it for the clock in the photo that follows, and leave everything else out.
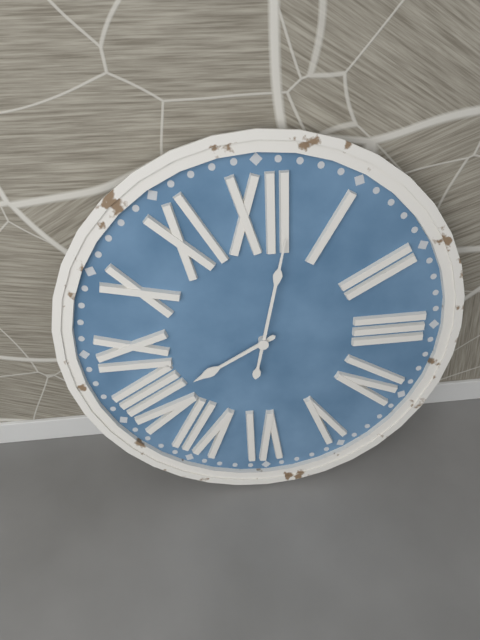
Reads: h=8 m=2
